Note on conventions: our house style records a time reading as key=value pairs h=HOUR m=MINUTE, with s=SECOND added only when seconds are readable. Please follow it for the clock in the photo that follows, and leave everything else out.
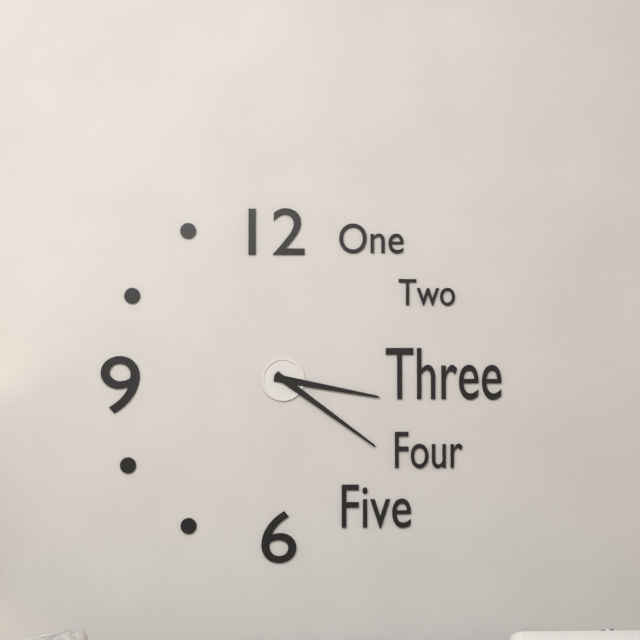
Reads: h=3 m=21
